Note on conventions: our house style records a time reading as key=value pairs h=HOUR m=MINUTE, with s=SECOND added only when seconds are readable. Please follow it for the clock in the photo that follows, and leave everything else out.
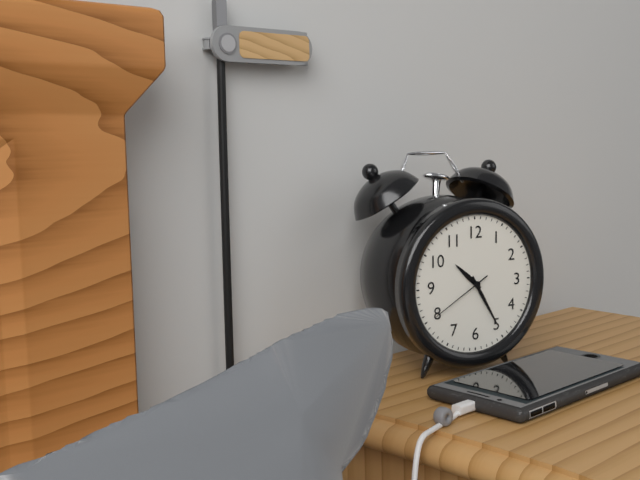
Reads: h=10 m=25 s=40
